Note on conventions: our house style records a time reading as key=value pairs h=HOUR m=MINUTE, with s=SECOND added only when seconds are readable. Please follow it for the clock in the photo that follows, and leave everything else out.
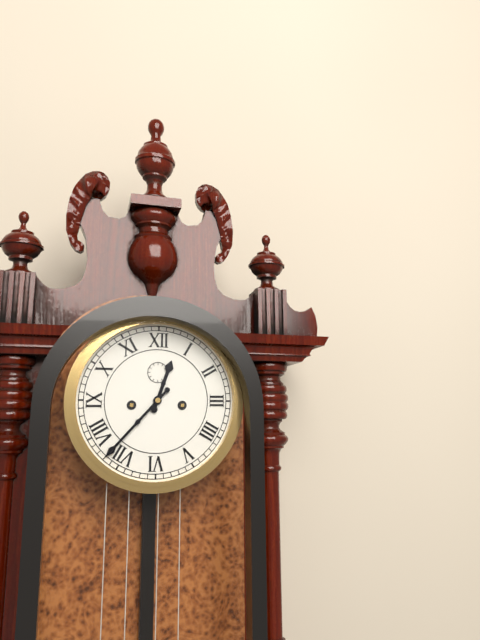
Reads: h=12 m=37
